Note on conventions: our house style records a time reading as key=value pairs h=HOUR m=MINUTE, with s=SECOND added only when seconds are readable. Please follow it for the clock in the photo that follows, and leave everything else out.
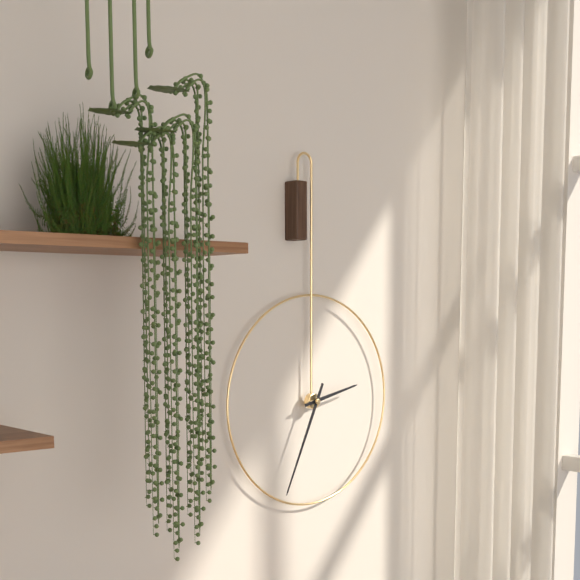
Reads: h=2 m=34
